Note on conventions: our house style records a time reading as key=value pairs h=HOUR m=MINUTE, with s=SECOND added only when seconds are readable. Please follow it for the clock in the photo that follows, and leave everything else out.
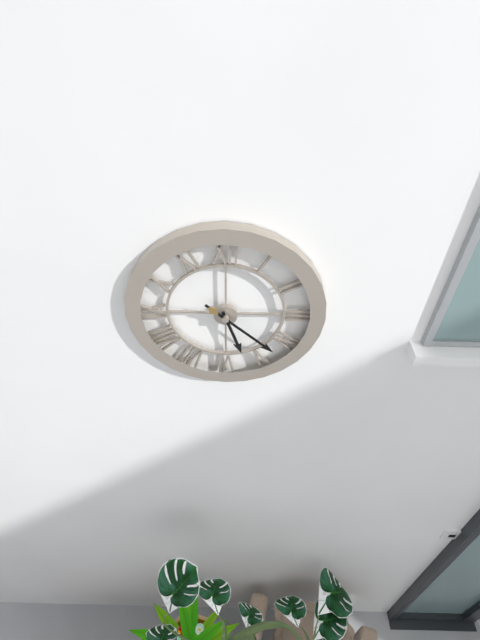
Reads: h=5 m=22
